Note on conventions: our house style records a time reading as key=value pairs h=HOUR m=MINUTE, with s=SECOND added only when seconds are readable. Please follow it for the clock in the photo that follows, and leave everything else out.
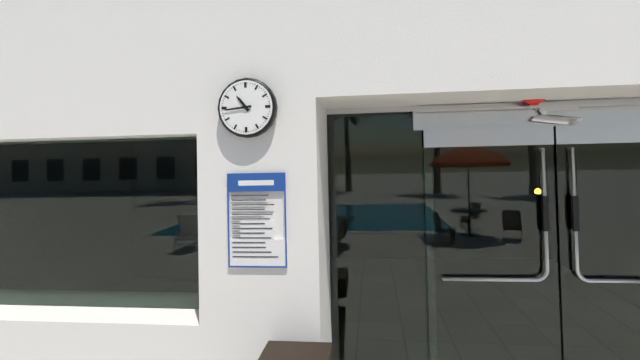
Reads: h=10 m=44
